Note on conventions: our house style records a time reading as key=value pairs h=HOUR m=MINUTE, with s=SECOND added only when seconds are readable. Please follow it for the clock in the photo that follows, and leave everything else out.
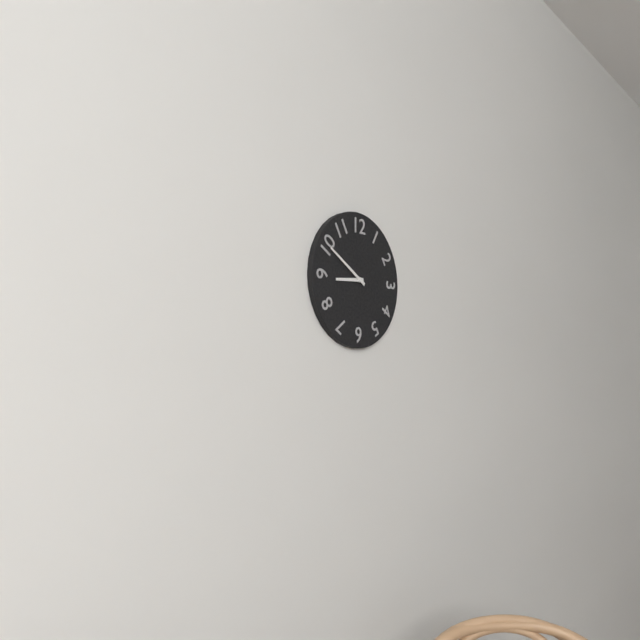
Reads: h=8 m=50
